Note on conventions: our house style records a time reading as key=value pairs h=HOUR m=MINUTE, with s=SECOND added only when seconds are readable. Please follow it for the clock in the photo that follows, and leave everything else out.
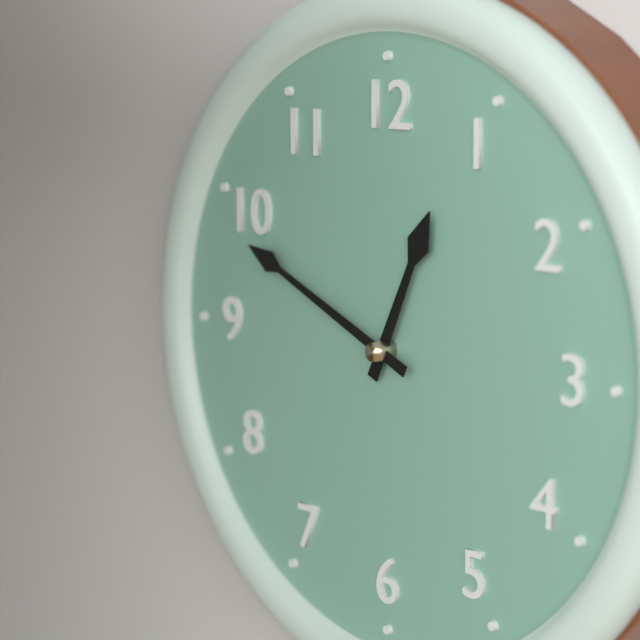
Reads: h=12 m=49
